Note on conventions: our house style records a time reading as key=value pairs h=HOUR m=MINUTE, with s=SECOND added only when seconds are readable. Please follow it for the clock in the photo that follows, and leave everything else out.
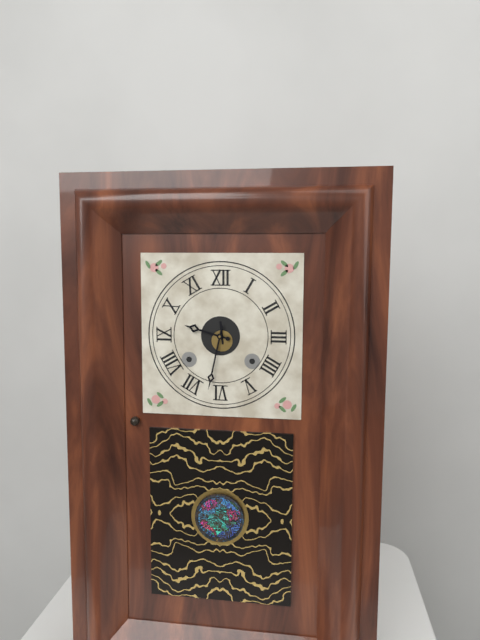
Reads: h=9 m=32
